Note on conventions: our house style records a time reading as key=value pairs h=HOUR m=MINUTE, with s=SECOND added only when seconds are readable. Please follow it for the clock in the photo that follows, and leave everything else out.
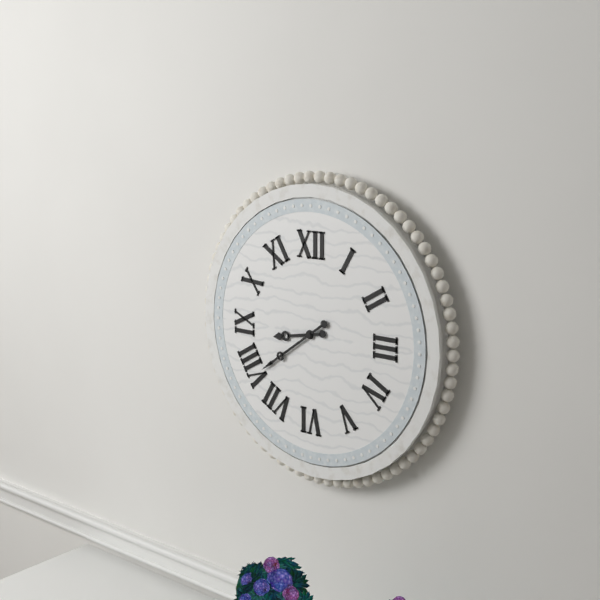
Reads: h=8 m=39
